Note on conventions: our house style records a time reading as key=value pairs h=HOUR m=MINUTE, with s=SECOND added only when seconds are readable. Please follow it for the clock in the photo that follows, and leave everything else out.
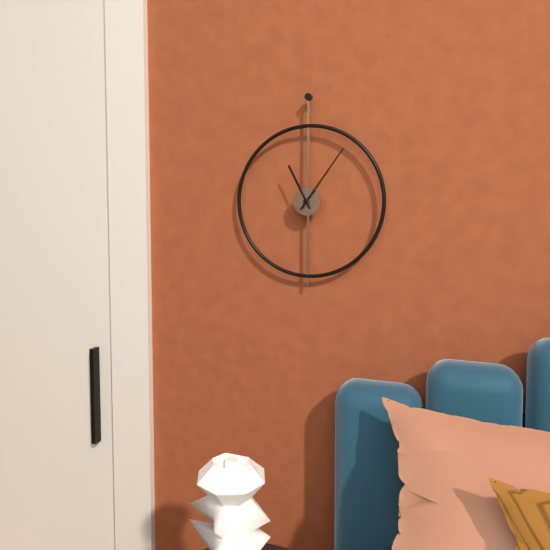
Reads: h=11 m=6
